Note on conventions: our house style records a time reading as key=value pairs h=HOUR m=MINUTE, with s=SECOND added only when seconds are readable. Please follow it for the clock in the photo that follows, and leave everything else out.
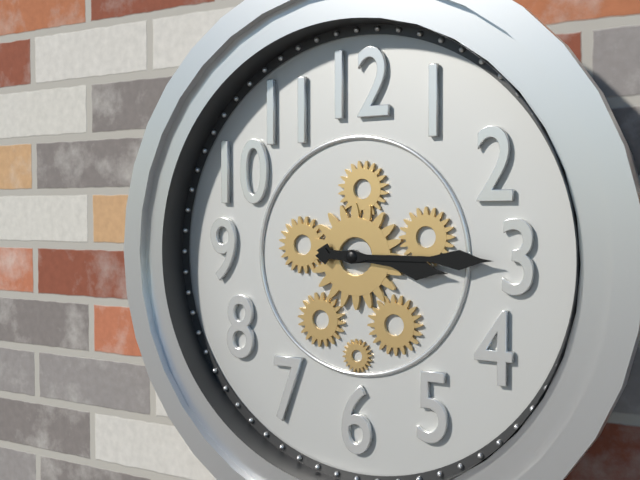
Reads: h=3 m=15
